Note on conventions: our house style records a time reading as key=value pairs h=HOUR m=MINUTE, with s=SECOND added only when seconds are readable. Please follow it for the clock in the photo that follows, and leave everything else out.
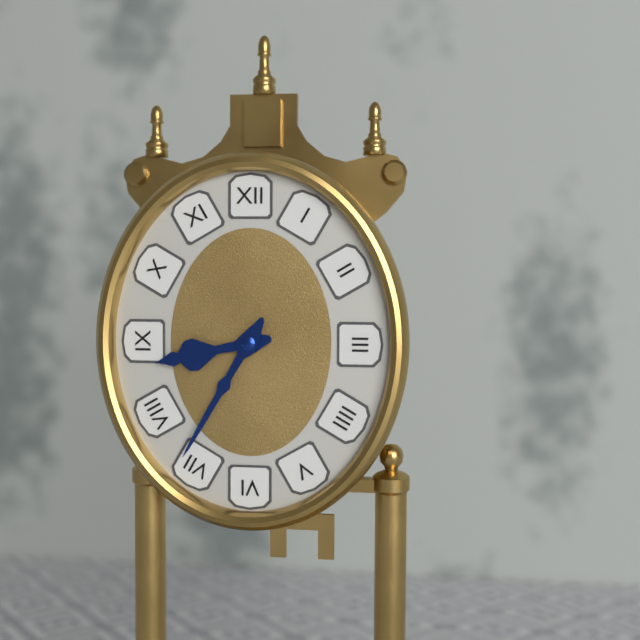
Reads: h=8 m=35
